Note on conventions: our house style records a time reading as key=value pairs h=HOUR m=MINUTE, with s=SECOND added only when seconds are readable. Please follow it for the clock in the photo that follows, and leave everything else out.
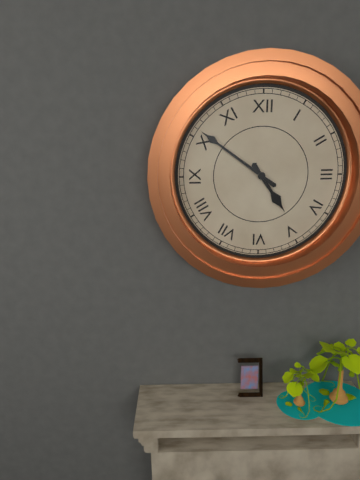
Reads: h=4 m=51
